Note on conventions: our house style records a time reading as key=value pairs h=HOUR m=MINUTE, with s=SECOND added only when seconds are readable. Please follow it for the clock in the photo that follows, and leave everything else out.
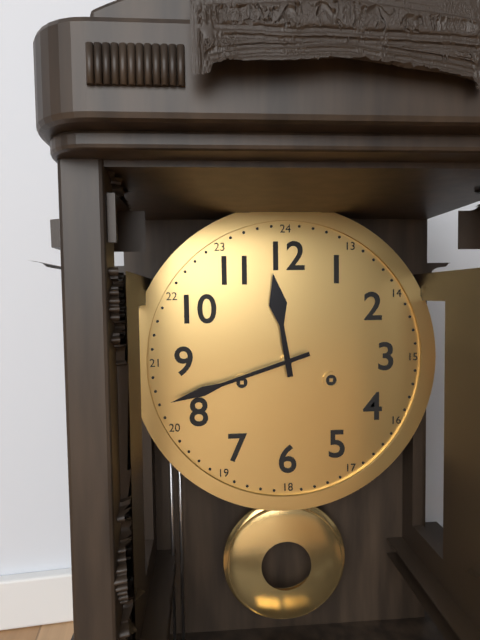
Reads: h=11 m=42
